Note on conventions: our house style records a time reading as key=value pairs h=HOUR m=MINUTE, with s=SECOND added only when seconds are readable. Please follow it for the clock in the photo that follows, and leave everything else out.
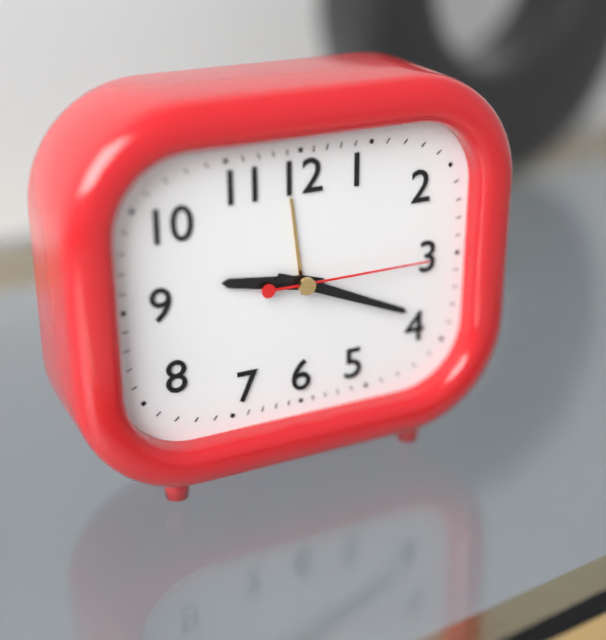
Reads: h=9 m=19 s=15
